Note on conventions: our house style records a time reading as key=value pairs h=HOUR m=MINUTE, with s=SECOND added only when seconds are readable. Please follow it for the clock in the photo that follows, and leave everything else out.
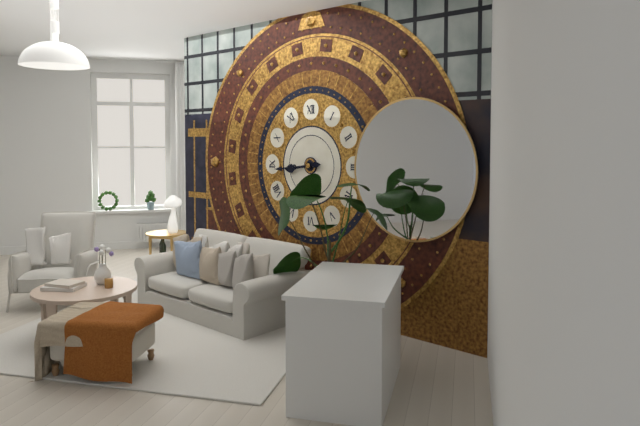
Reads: h=8 m=44
